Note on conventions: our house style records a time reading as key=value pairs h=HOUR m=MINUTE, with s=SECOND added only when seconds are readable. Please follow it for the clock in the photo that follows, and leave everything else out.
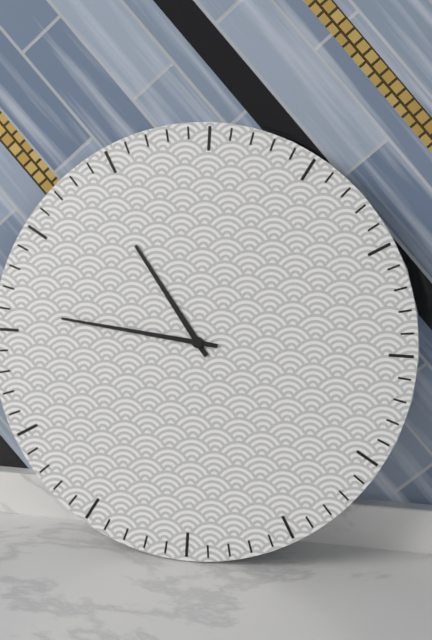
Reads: h=10 m=46
